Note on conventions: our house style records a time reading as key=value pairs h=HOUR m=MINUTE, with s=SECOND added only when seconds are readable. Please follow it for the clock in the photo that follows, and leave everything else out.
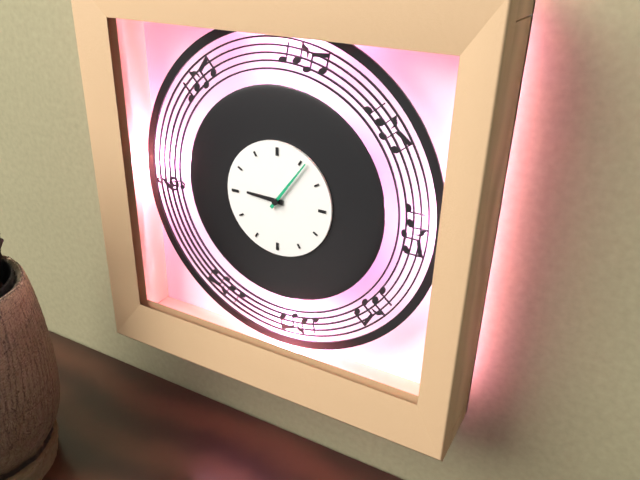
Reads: h=9 m=6
